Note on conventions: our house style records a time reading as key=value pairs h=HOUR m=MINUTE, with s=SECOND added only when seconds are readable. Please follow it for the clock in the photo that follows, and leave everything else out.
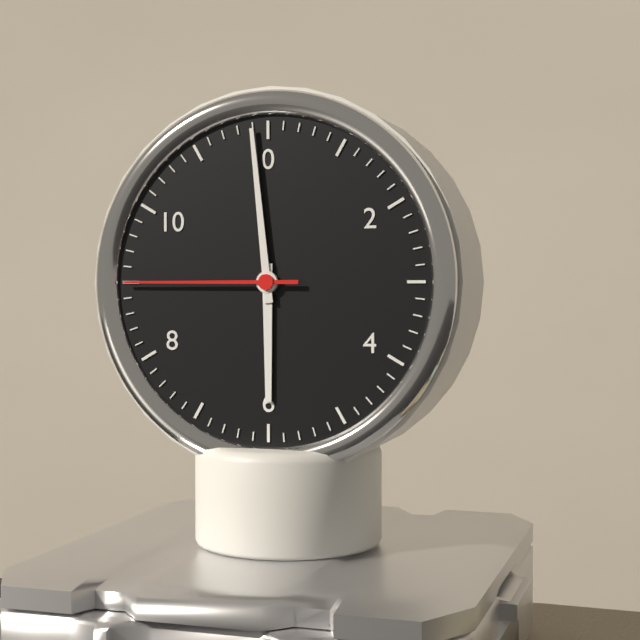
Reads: h=5 m=59 s=45
